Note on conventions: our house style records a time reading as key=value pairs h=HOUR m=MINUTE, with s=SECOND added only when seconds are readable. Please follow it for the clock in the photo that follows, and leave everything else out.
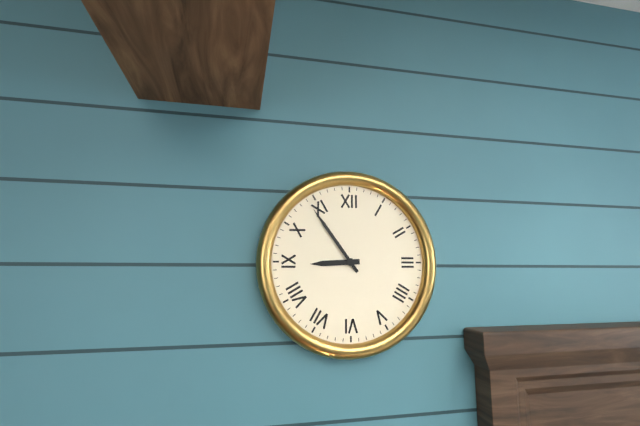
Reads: h=8 m=54
